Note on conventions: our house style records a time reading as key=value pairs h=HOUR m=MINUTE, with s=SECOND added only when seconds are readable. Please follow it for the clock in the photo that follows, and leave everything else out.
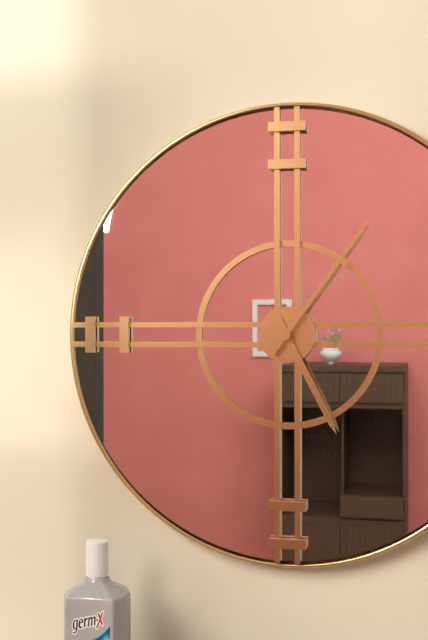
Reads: h=5 m=6
